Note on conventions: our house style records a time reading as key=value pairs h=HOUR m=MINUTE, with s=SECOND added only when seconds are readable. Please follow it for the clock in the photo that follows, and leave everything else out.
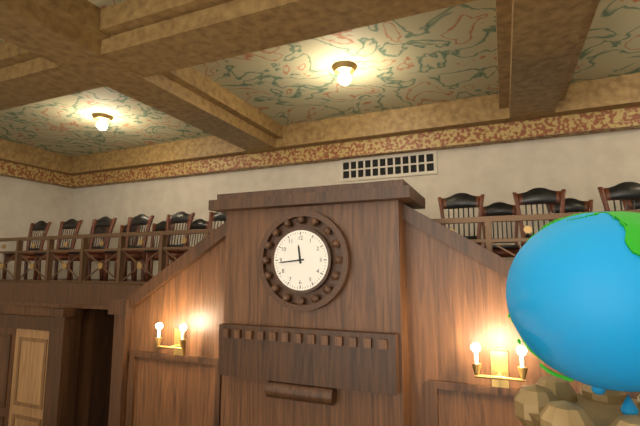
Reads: h=11 m=44
